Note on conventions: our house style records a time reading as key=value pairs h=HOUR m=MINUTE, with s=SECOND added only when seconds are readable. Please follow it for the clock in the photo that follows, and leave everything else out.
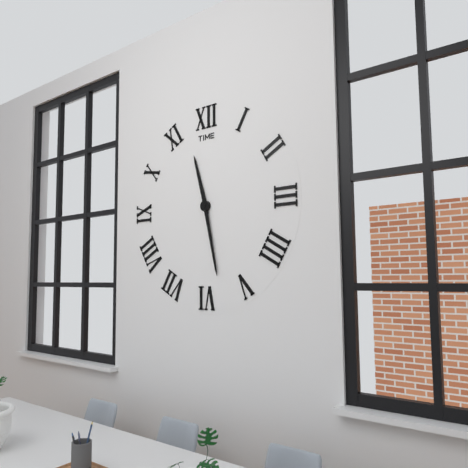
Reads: h=11 m=28
